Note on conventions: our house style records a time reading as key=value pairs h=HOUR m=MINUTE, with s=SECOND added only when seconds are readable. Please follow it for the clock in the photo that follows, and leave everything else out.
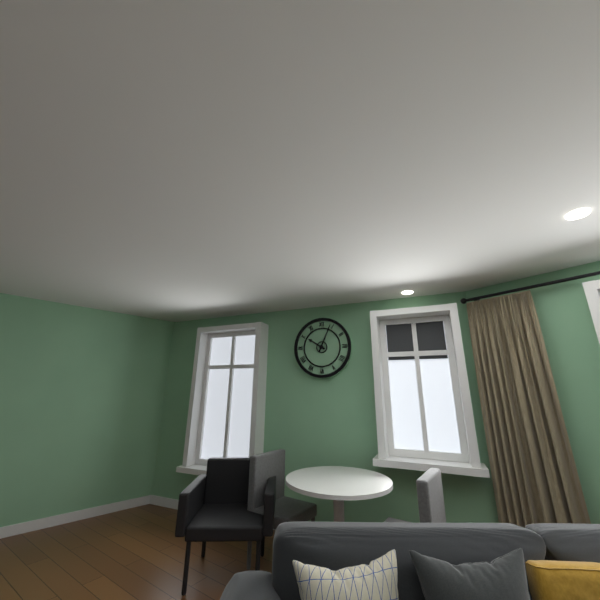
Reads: h=10 m=4
